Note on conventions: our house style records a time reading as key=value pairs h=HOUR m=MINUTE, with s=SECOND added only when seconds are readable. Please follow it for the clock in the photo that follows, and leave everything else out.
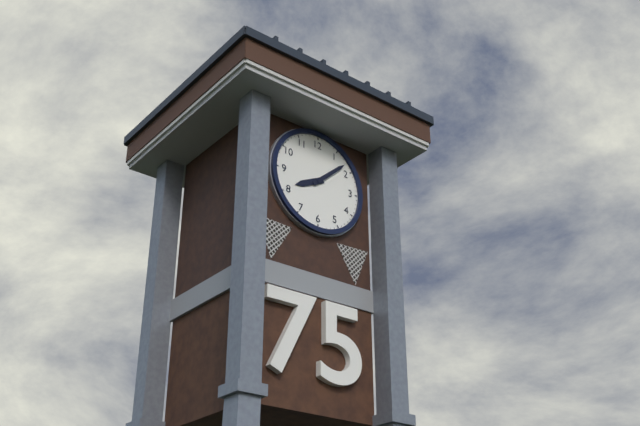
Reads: h=8 m=8
